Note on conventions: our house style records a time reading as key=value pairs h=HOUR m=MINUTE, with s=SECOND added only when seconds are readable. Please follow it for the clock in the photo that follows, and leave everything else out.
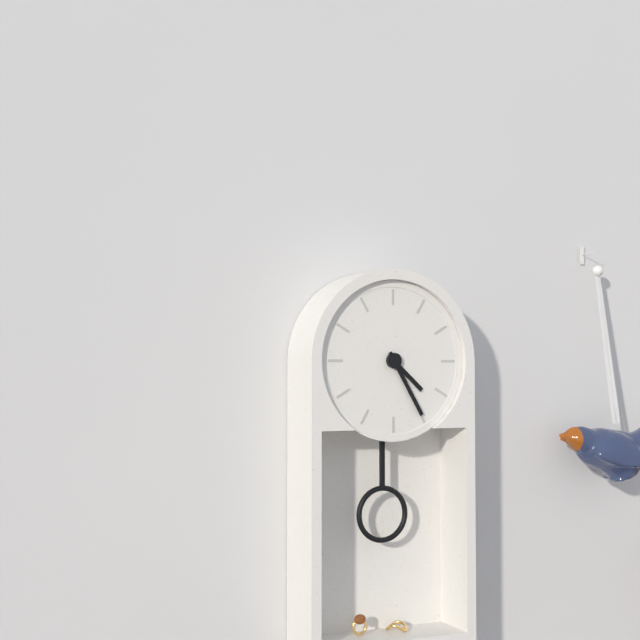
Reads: h=4 m=25
